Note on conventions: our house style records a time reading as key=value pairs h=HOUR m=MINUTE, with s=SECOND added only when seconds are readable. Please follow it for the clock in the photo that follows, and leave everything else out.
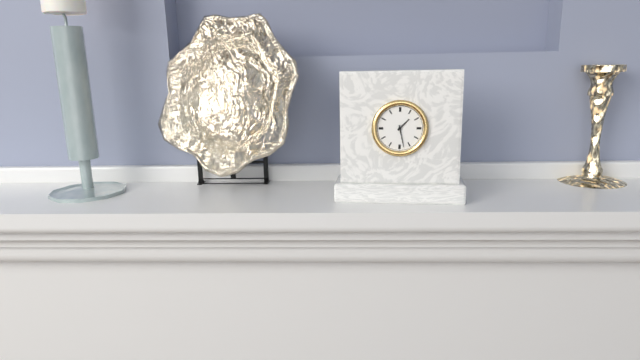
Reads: h=1 m=28
